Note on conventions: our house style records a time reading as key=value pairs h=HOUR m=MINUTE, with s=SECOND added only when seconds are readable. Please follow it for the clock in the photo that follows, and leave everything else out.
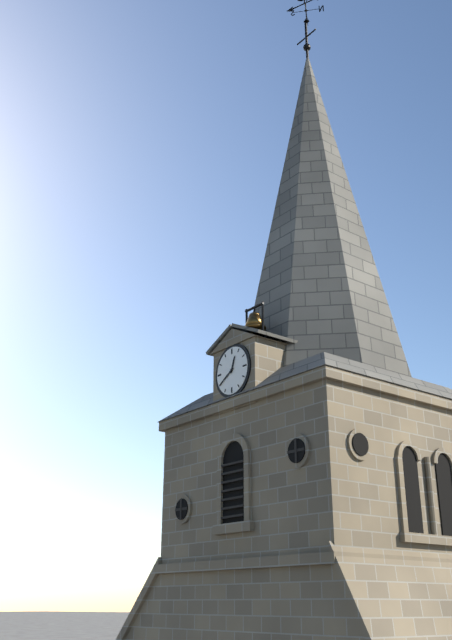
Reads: h=12 m=40
